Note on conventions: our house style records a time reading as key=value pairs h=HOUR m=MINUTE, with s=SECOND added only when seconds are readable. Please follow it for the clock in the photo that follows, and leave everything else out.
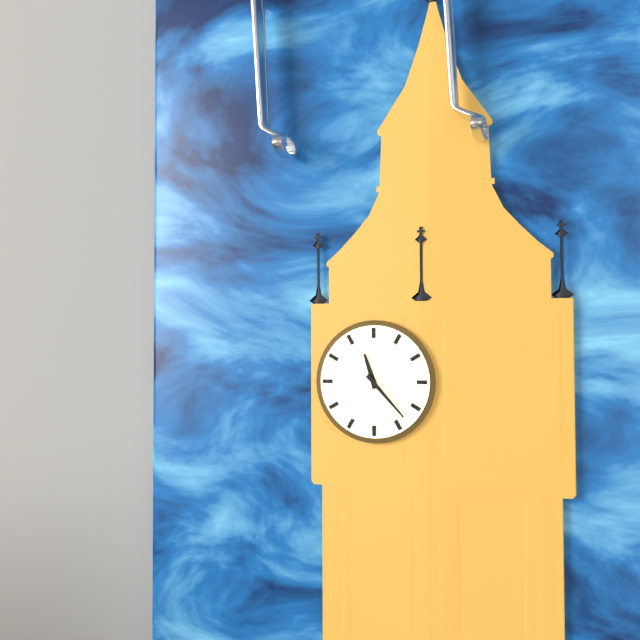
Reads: h=11 m=23
